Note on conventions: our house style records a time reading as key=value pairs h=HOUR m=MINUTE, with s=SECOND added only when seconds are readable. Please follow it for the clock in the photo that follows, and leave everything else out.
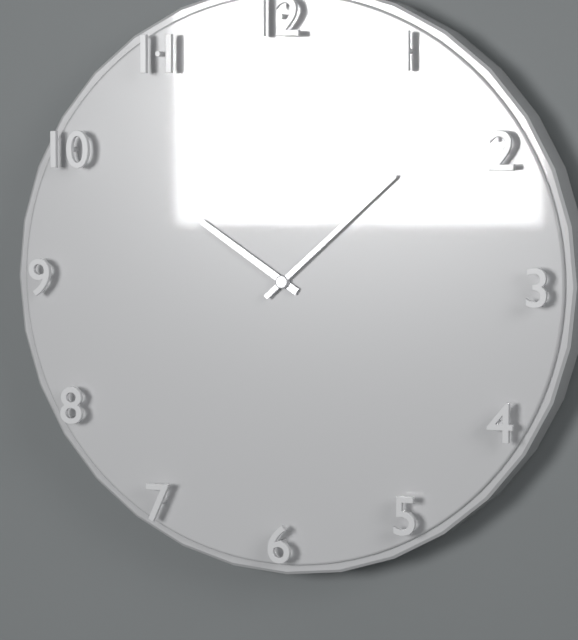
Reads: h=10 m=8
